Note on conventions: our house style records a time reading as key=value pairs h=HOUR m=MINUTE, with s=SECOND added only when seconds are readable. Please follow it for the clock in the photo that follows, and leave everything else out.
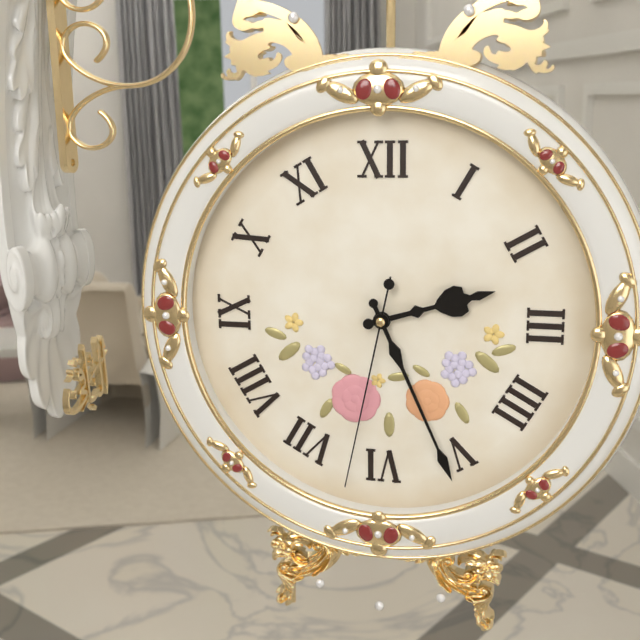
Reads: h=2 m=26 s=32
